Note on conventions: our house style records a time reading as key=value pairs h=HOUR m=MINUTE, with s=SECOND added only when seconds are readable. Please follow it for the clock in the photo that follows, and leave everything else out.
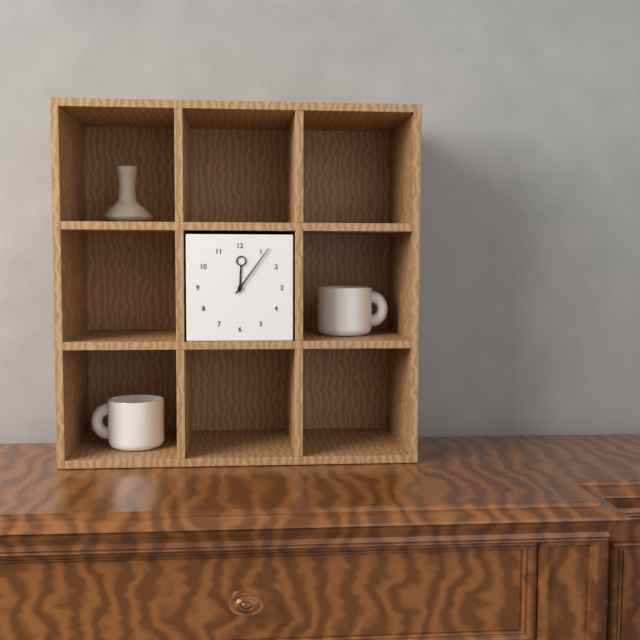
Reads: h=12 m=6
